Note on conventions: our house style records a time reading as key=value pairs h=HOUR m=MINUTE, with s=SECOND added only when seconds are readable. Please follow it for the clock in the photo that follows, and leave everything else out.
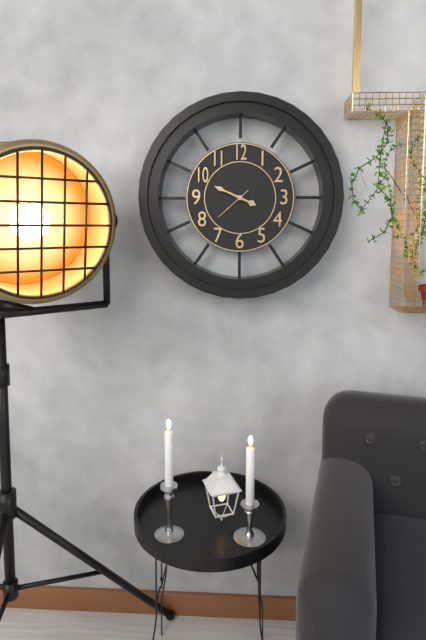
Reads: h=3 m=49
